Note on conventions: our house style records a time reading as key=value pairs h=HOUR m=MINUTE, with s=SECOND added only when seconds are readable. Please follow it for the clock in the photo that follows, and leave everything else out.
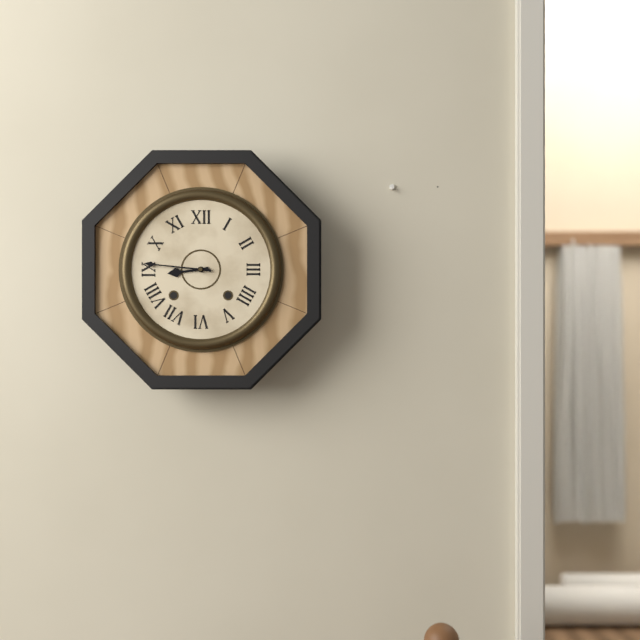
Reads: h=8 m=46
